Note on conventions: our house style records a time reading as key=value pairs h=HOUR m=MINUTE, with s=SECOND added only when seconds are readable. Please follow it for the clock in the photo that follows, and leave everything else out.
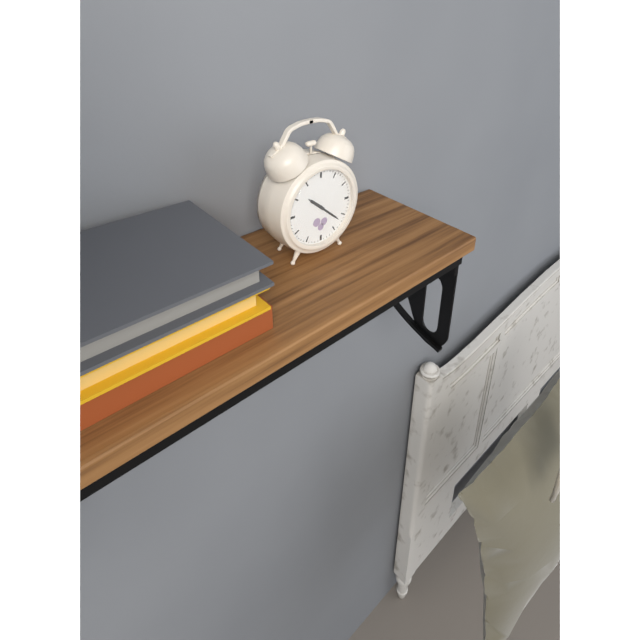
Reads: h=10 m=22
